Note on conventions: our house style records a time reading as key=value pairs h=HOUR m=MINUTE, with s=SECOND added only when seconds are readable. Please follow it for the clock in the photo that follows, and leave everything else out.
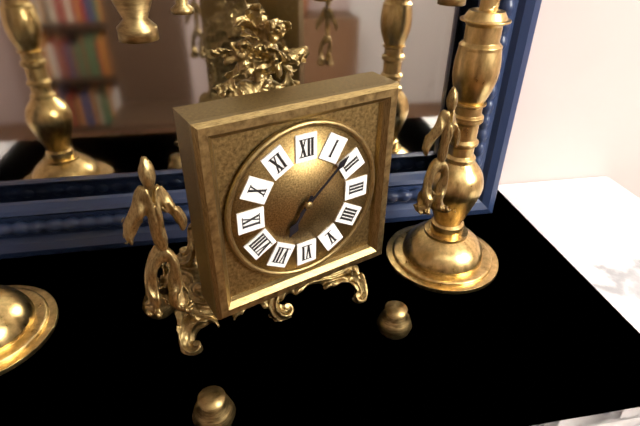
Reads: h=7 m=8
